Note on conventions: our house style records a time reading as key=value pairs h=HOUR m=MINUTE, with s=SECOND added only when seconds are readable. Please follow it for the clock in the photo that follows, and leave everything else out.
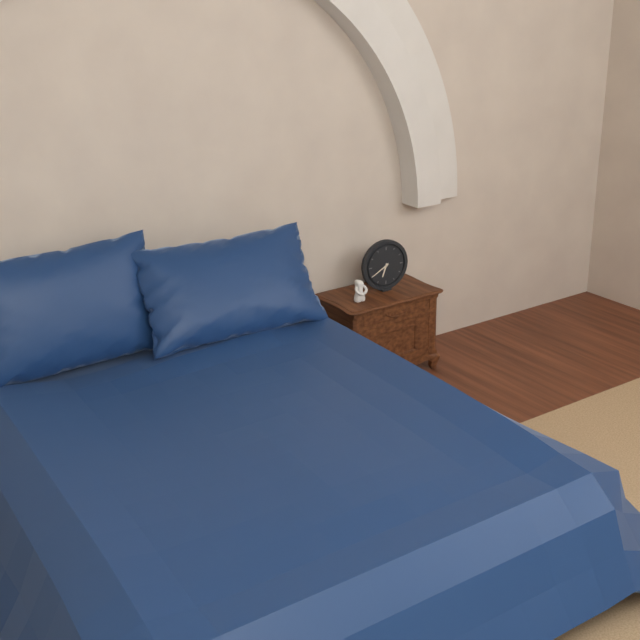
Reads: h=6 m=40
